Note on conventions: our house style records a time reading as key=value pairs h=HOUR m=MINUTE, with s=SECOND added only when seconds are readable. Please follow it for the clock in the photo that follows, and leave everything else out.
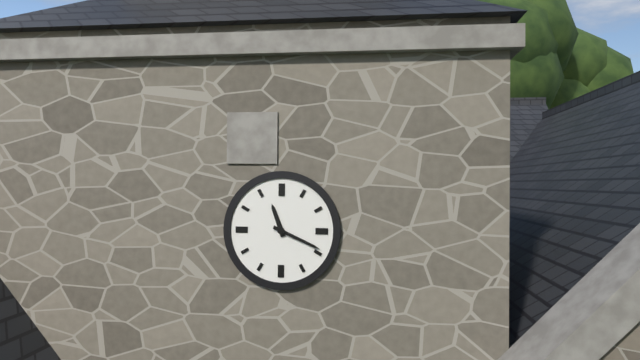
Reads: h=11 m=19
